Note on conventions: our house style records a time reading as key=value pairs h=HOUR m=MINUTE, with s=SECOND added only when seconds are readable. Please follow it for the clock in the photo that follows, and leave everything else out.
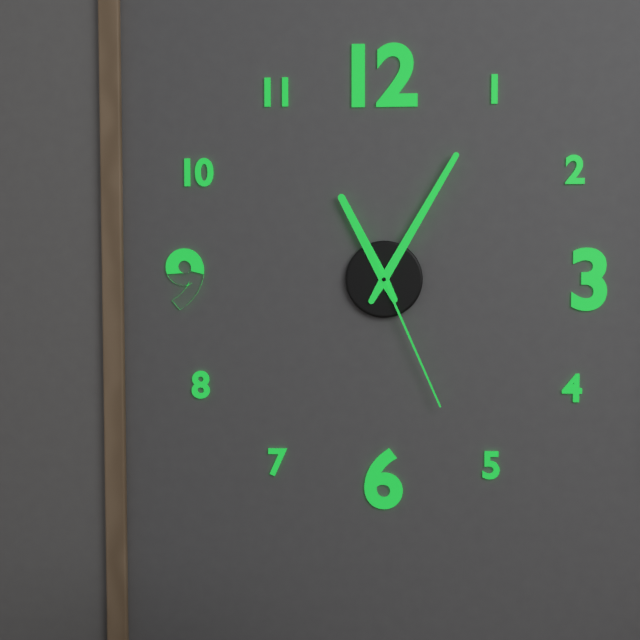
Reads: h=11 m=5 s=26
